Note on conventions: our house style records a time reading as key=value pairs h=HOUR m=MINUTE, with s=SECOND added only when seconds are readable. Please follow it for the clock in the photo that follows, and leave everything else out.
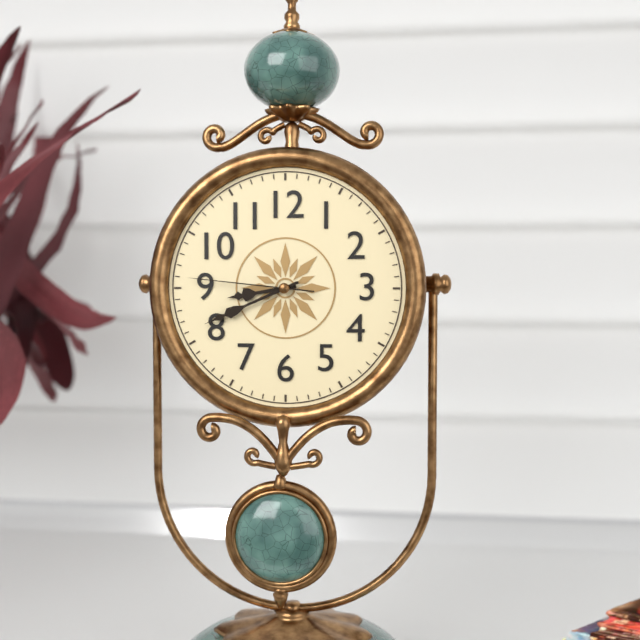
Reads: h=8 m=41 s=46
